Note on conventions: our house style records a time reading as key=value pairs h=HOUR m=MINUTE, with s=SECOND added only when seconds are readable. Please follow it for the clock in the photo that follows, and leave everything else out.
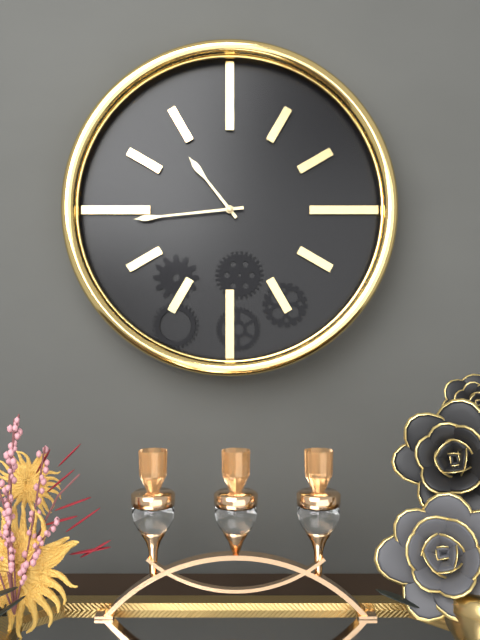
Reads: h=10 m=44
